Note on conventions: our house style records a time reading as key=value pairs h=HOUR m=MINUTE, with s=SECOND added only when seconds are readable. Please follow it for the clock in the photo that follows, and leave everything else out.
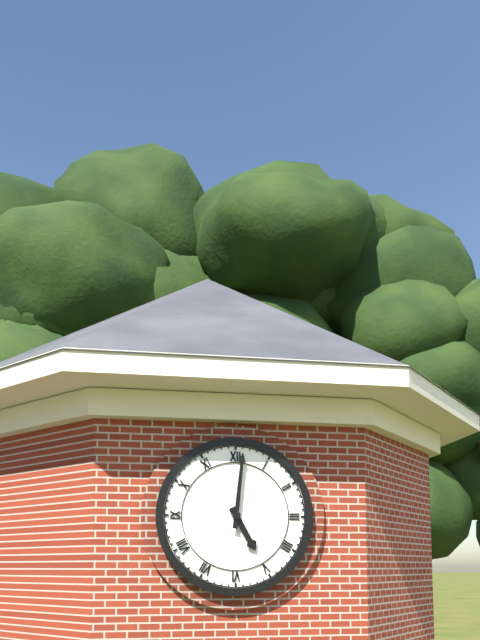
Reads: h=5 m=1
